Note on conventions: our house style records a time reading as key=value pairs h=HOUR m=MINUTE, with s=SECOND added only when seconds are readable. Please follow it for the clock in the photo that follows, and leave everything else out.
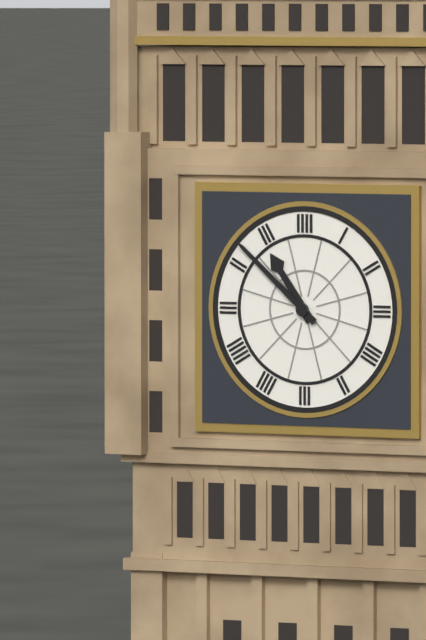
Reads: h=10 m=52
